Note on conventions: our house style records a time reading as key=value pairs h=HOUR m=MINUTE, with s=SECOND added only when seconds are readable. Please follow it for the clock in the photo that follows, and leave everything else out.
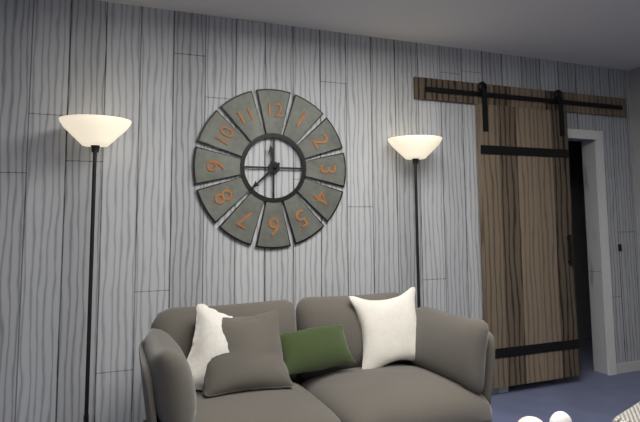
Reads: h=11 m=38
